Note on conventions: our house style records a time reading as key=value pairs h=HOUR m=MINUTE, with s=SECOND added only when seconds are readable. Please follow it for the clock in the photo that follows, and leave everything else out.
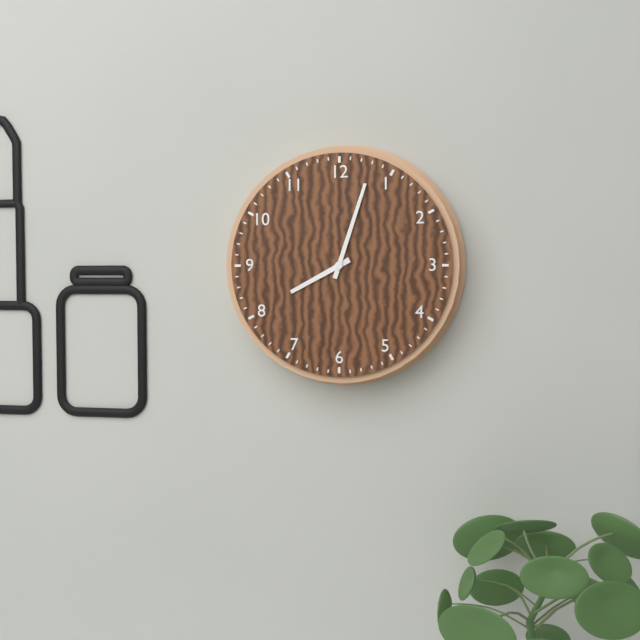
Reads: h=8 m=3
